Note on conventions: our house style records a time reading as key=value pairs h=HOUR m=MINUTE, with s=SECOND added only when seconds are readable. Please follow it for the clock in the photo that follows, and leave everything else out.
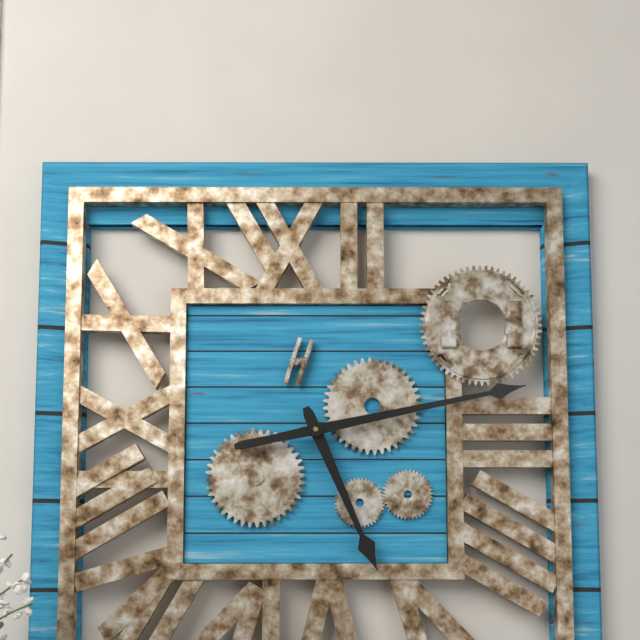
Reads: h=5 m=13
